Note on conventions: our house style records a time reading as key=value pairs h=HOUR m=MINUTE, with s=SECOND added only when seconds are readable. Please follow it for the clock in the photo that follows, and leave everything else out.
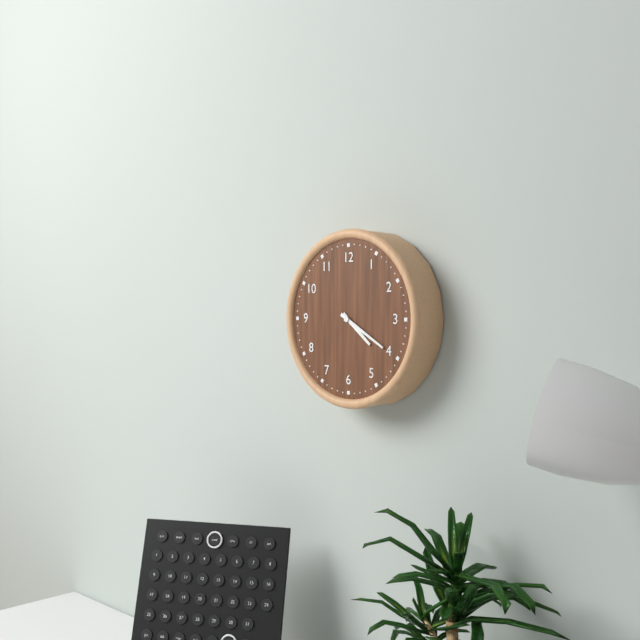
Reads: h=4 m=20
